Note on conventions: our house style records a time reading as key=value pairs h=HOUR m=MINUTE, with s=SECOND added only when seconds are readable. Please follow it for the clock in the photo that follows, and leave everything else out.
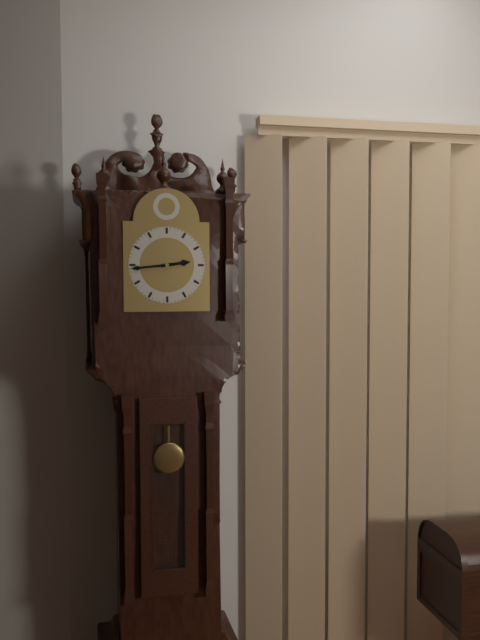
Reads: h=2 m=44
